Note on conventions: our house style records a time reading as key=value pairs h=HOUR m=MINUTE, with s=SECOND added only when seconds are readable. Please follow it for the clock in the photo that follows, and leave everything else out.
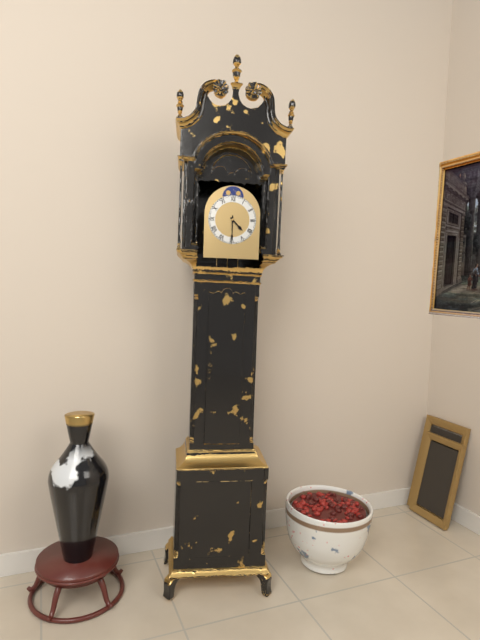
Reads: h=4 m=30
